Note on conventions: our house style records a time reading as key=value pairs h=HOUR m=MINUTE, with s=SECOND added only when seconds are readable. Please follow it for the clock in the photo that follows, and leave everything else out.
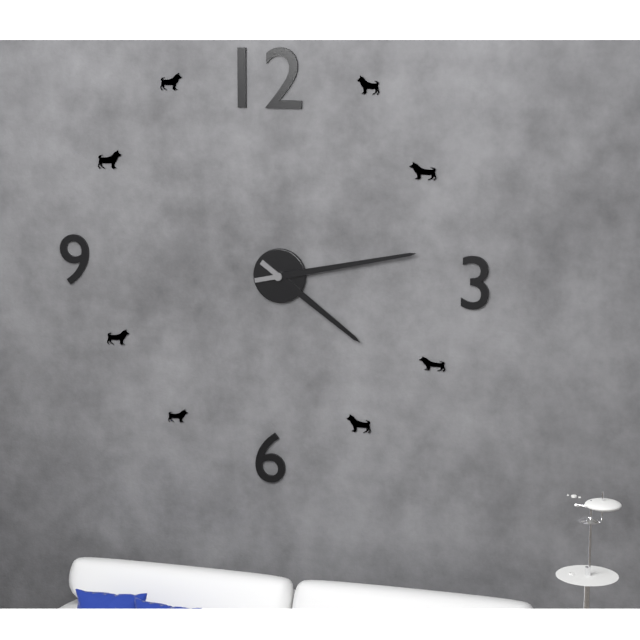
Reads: h=4 m=13
